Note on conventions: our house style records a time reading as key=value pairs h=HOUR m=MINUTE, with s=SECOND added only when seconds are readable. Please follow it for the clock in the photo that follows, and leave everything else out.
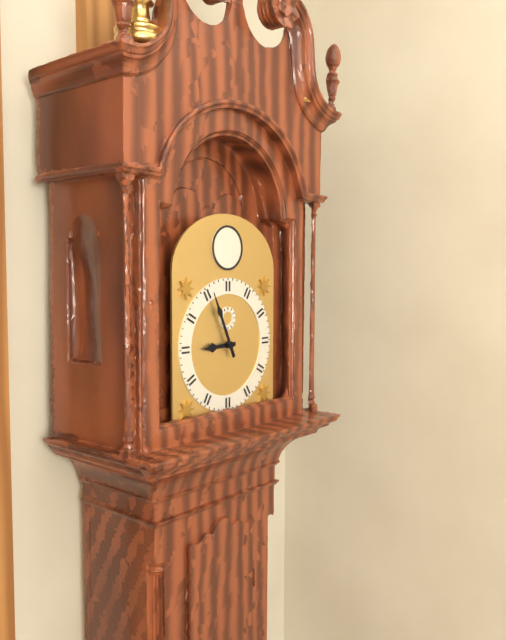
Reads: h=8 m=56
